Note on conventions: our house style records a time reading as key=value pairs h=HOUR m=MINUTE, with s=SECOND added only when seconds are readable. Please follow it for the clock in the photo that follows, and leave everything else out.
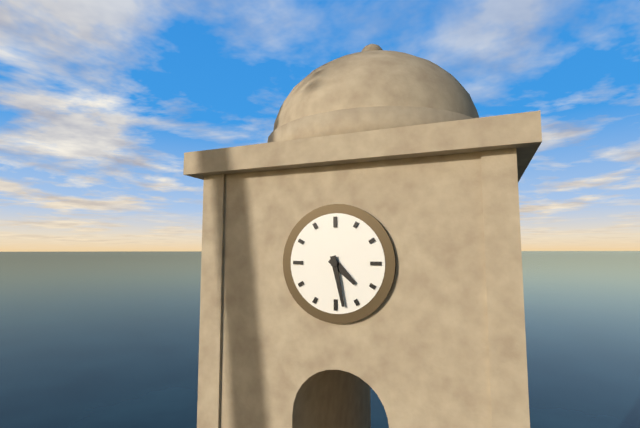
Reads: h=4 m=28
